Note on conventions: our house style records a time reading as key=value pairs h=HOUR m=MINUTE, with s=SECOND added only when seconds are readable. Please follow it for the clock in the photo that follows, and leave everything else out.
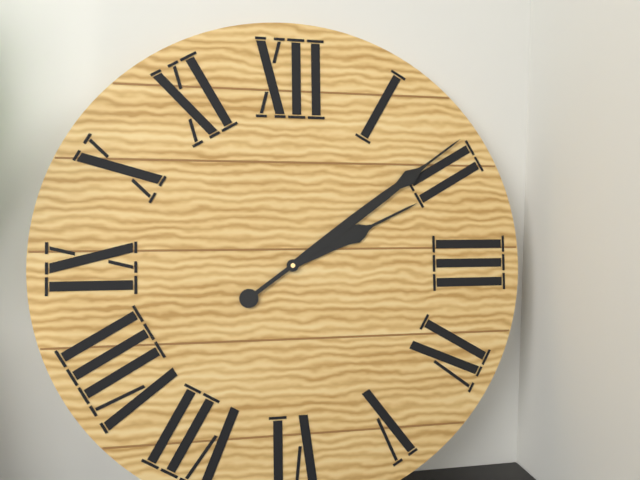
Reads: h=2 m=9
